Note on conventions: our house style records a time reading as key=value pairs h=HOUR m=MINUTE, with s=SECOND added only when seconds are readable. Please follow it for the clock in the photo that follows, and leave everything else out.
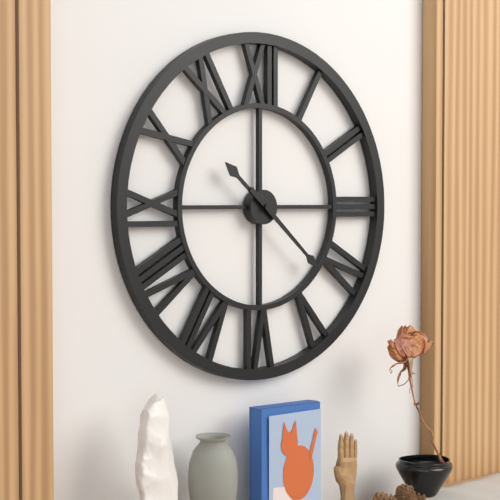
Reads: h=10 m=22
